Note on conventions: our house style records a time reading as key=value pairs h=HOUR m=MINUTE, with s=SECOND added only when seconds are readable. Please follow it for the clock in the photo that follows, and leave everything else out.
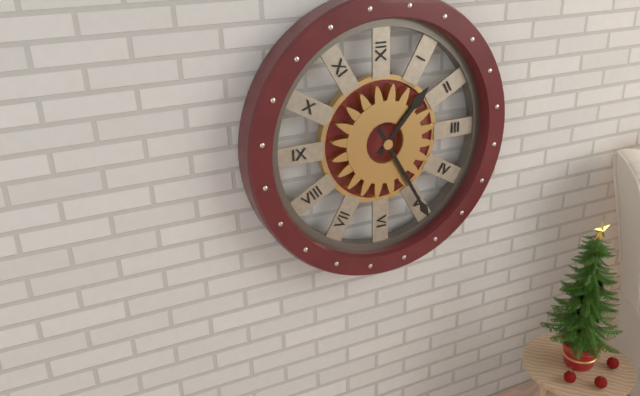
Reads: h=1 m=25
